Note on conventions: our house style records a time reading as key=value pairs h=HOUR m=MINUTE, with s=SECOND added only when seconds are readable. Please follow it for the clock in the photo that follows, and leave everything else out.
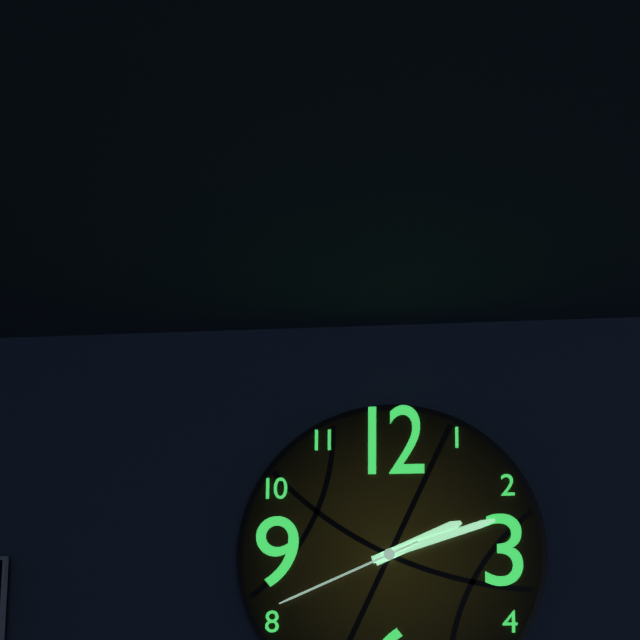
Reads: h=2 m=12 s=41
